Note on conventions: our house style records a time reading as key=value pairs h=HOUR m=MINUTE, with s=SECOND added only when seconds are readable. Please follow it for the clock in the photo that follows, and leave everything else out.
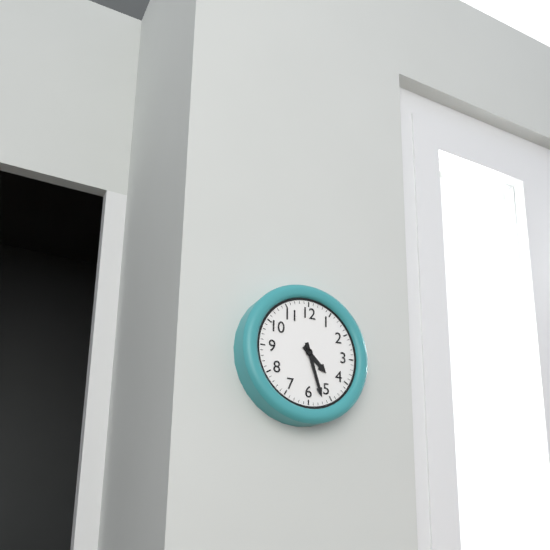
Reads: h=4 m=27
